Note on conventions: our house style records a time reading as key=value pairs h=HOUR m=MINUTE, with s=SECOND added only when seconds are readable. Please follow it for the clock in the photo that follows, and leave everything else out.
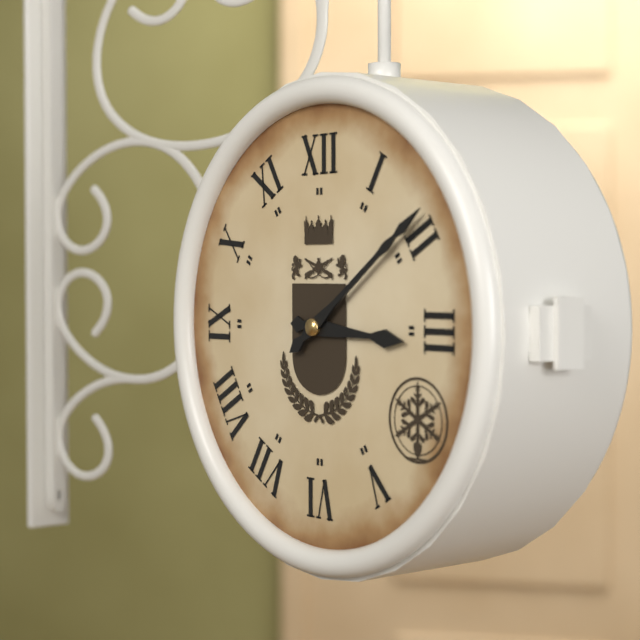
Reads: h=3 m=9
